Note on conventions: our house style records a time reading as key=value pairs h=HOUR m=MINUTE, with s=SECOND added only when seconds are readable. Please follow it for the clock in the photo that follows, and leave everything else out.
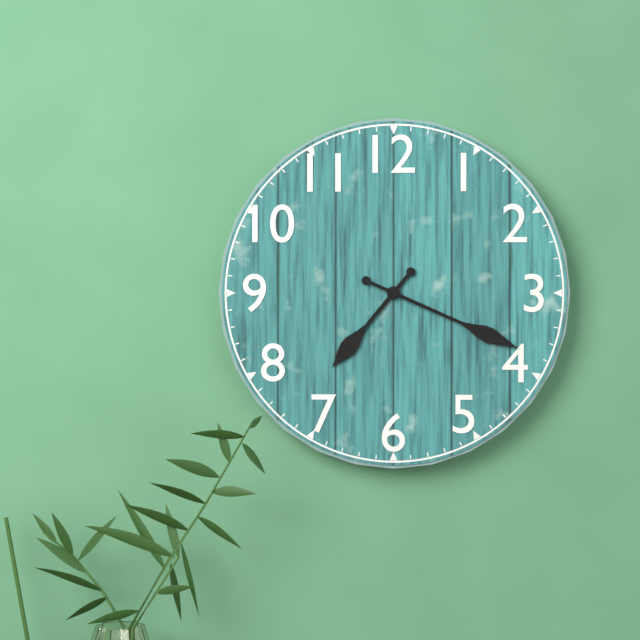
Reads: h=7 m=19
